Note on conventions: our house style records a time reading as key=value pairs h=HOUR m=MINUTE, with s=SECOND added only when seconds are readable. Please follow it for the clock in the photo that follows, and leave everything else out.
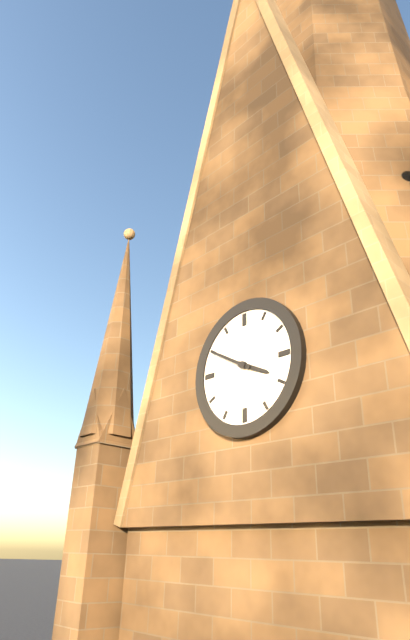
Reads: h=3 m=50
